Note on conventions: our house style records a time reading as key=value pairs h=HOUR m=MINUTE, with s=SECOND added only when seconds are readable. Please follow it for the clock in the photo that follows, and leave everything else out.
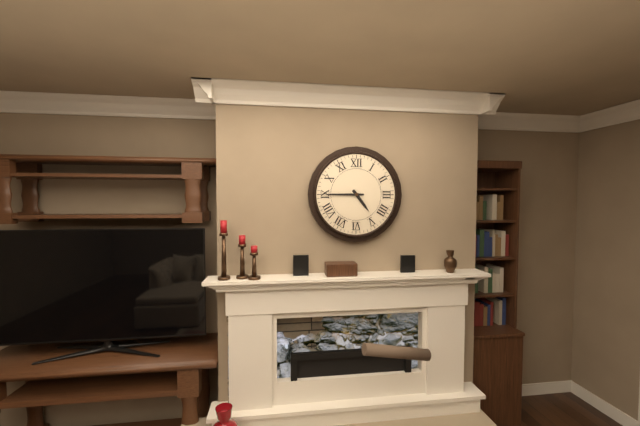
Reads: h=4 m=45
